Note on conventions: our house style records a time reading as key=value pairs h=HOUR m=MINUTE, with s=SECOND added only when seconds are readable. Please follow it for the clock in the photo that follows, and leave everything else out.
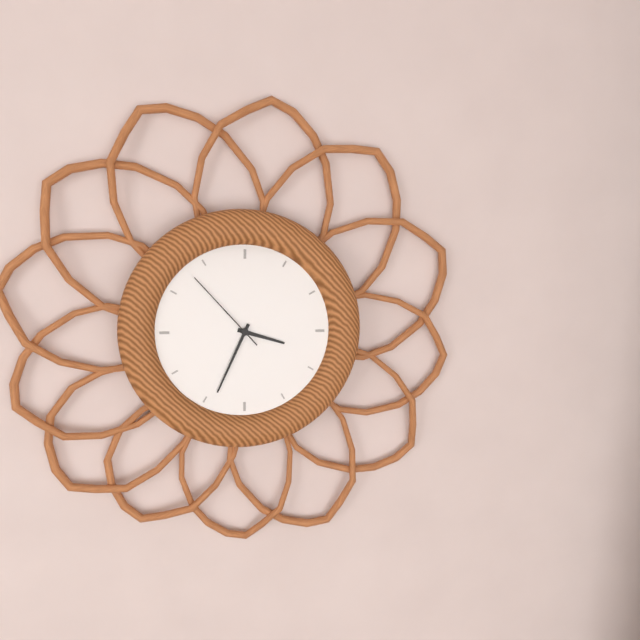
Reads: h=3 m=34 s=53
